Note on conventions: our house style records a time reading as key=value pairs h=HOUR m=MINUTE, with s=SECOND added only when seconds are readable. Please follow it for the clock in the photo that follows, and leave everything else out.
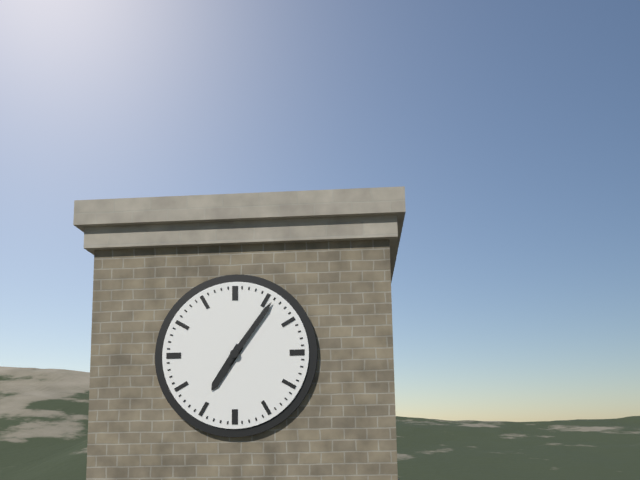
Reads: h=7 m=6
